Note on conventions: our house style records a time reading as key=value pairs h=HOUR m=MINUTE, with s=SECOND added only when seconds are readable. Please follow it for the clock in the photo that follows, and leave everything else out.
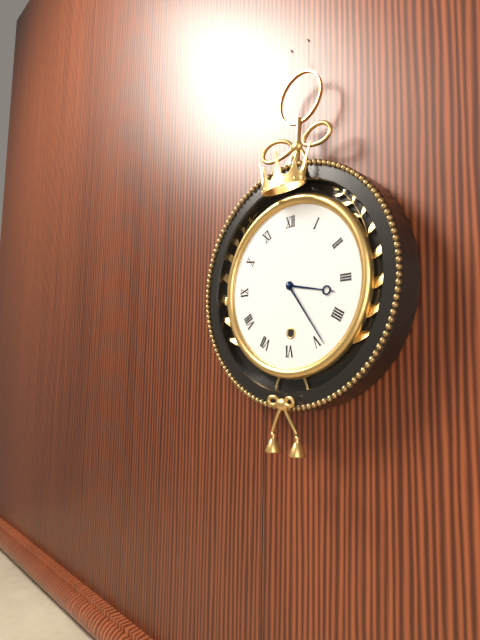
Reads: h=3 m=24
